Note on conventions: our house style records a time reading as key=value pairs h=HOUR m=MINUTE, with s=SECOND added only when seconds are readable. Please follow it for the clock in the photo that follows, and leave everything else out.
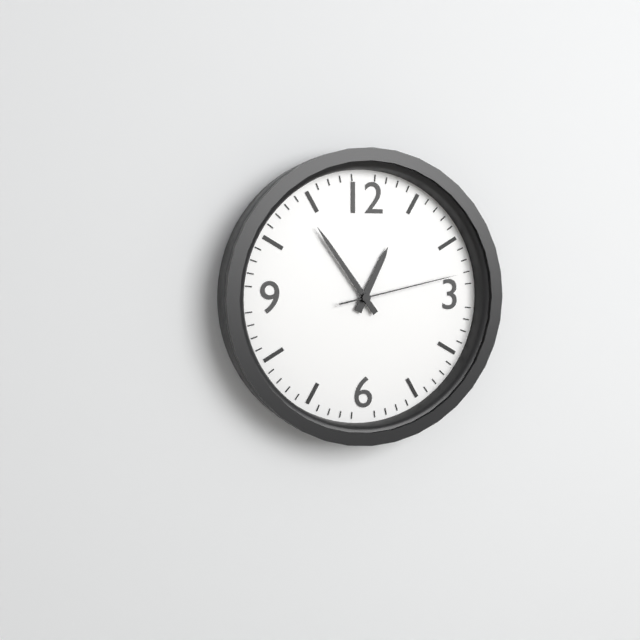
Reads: h=12 m=54 s=13
